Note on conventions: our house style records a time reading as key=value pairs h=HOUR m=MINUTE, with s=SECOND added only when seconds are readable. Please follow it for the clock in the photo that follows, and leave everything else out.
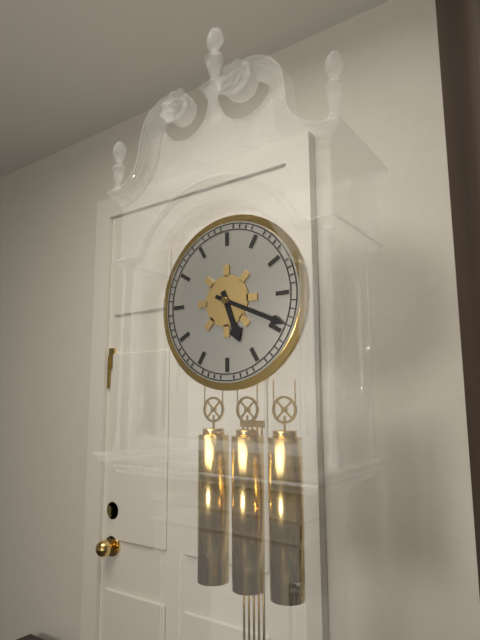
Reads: h=5 m=19
